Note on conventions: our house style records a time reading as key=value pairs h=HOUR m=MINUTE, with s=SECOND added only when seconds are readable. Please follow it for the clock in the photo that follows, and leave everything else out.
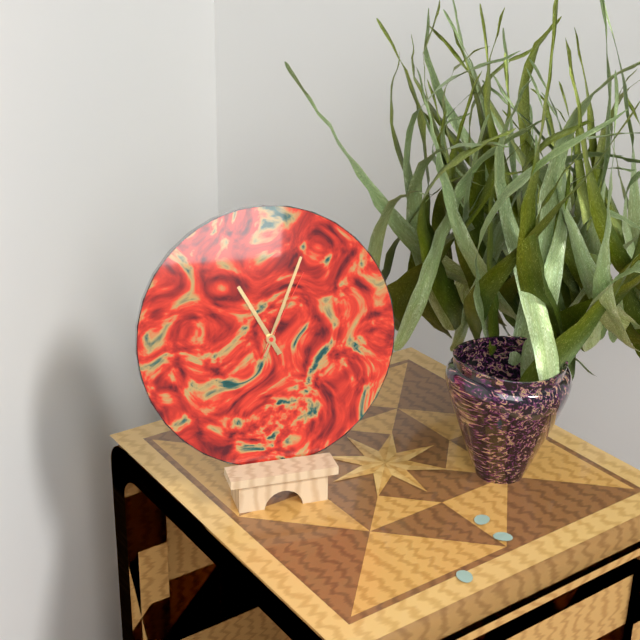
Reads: h=11 m=4 s=5
